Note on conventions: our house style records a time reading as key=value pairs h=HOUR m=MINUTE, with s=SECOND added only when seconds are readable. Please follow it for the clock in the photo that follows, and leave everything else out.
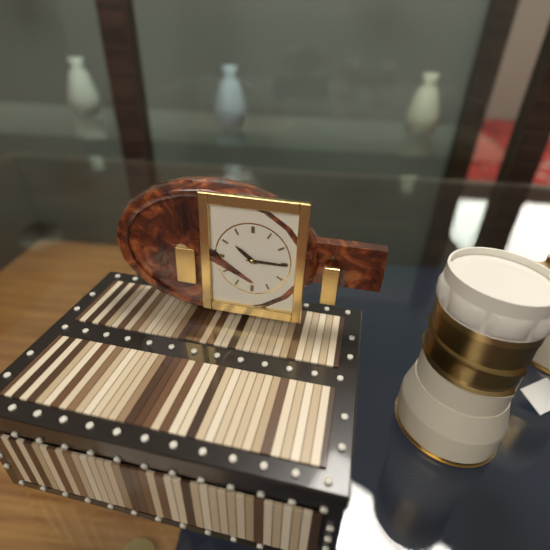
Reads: h=10 m=15
